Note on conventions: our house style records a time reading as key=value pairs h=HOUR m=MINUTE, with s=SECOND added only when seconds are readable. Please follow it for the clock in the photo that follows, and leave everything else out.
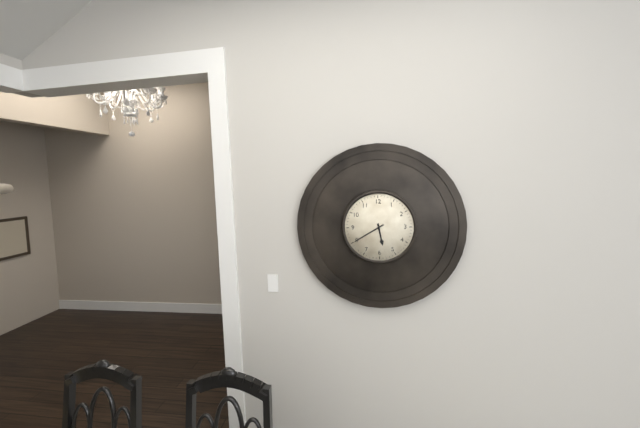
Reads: h=5 m=40
